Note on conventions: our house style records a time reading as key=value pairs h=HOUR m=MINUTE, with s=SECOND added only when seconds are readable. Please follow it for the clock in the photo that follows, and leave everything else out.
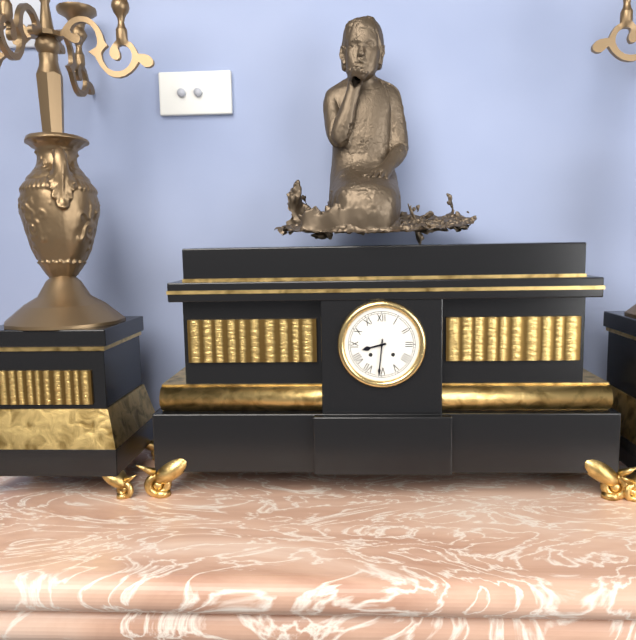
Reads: h=8 m=31
